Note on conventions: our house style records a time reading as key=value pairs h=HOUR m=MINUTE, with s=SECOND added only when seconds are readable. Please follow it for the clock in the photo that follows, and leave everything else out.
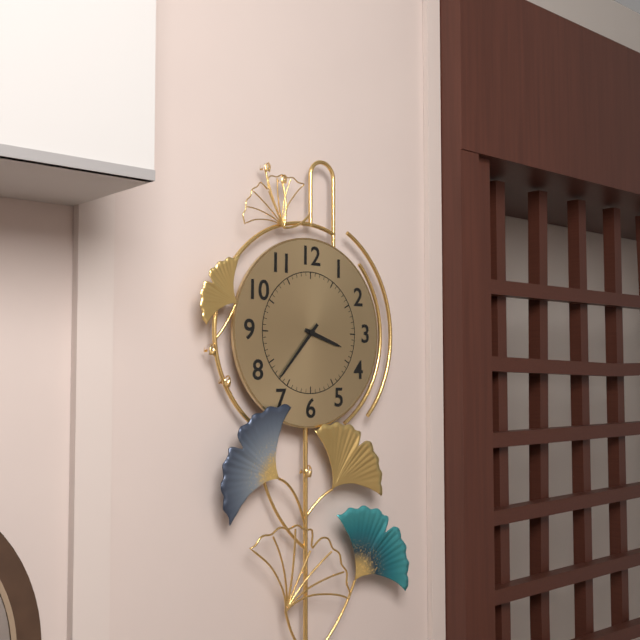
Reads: h=3 m=37
